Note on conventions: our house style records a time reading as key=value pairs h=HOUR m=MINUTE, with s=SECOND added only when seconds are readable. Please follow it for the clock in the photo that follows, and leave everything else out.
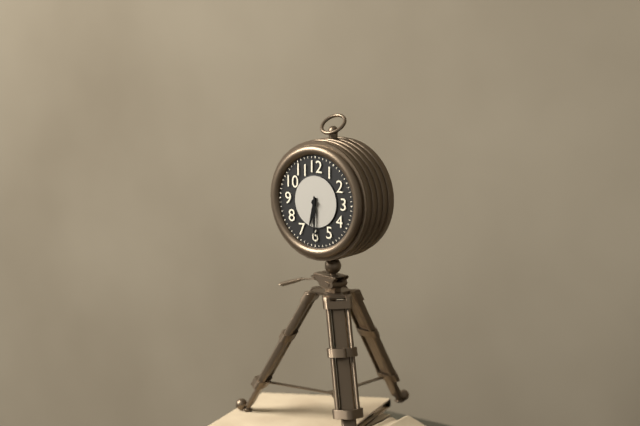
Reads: h=6 m=30
